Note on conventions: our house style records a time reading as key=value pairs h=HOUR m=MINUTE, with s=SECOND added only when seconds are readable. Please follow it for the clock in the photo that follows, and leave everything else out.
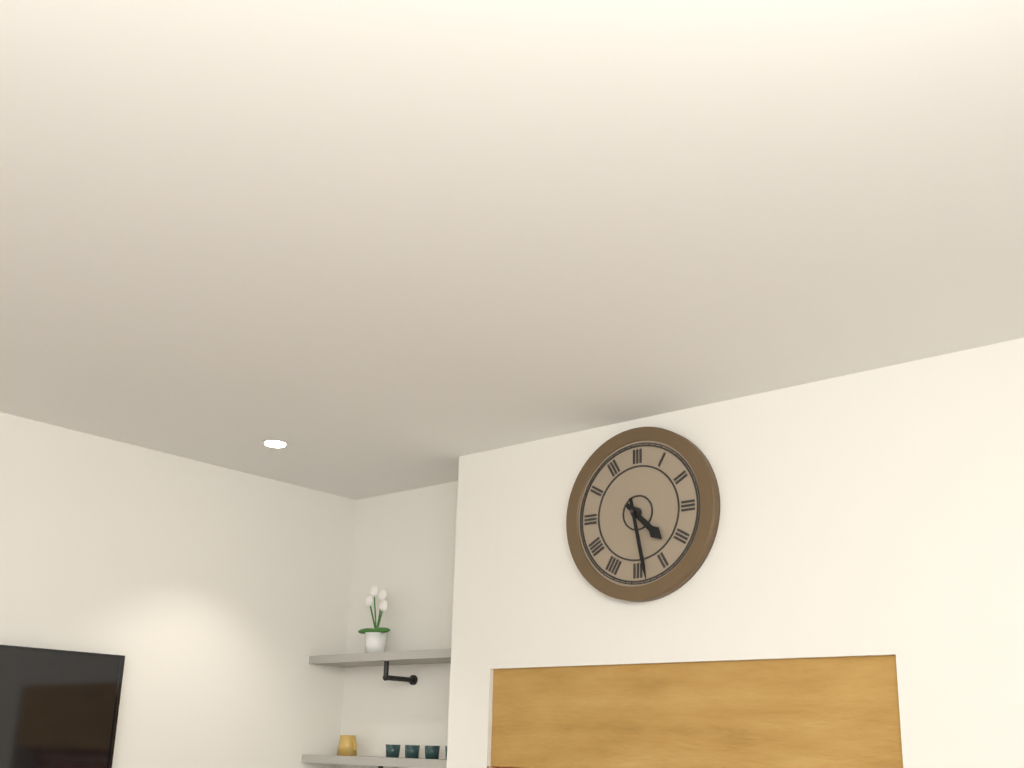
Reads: h=4 m=28
